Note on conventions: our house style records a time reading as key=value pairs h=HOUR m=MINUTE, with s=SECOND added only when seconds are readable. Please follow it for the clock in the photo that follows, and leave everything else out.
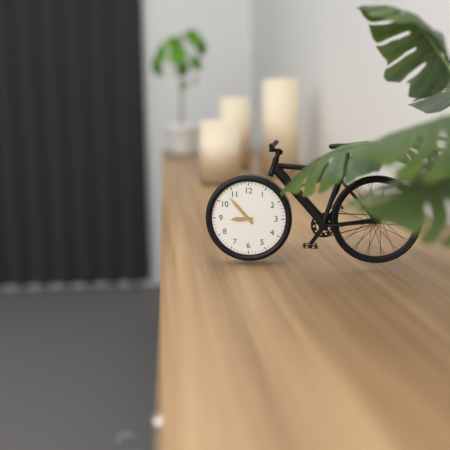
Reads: h=8 m=53
